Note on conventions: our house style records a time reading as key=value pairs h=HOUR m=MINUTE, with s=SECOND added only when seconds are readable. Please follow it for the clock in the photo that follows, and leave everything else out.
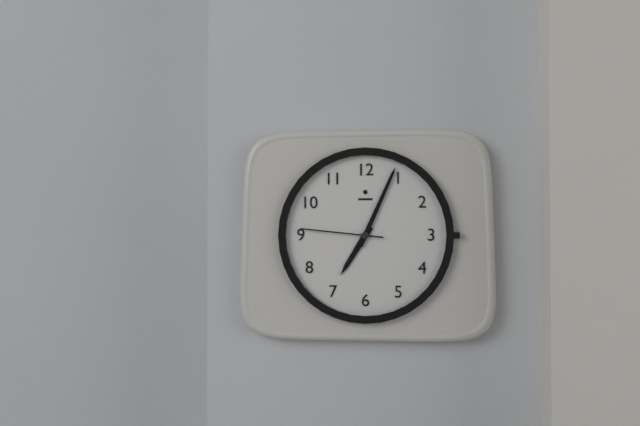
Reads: h=7 m=4 s=46
